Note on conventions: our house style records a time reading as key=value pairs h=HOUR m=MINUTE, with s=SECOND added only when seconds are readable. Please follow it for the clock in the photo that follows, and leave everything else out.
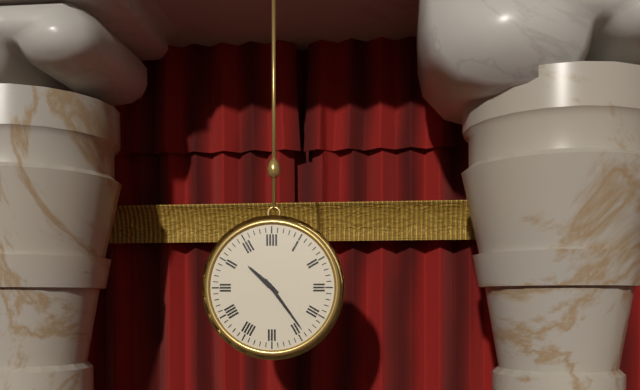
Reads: h=10 m=24
